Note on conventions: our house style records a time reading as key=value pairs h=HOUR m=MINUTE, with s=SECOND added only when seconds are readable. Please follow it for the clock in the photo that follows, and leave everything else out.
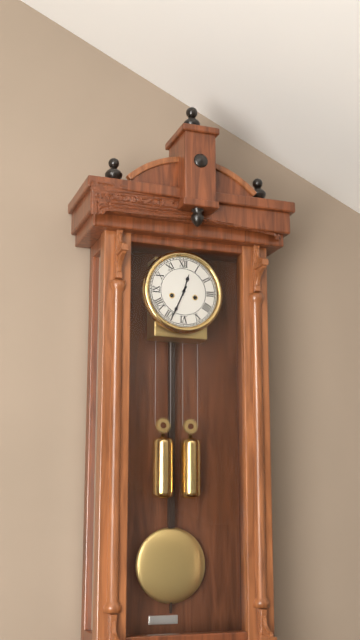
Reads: h=12 m=34
